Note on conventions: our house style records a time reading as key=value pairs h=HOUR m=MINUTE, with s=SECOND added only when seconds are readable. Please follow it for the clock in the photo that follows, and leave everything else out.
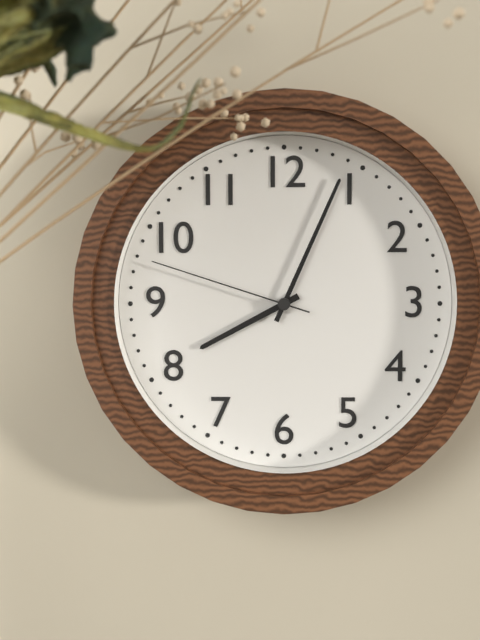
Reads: h=8 m=4 s=48
